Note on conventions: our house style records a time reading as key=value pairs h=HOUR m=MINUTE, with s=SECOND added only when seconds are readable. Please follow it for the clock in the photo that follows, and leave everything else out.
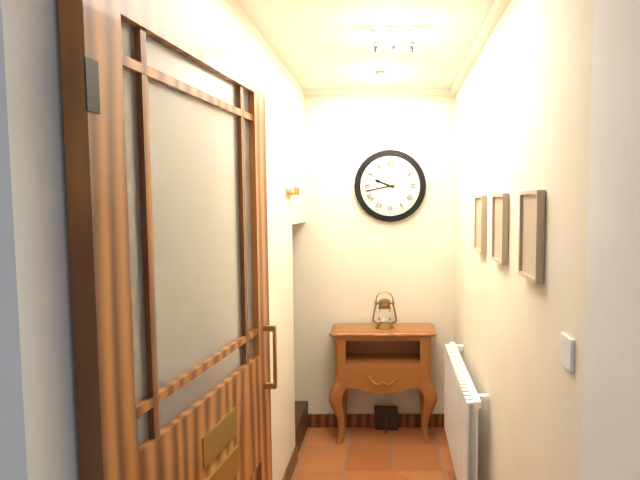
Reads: h=9 m=43
